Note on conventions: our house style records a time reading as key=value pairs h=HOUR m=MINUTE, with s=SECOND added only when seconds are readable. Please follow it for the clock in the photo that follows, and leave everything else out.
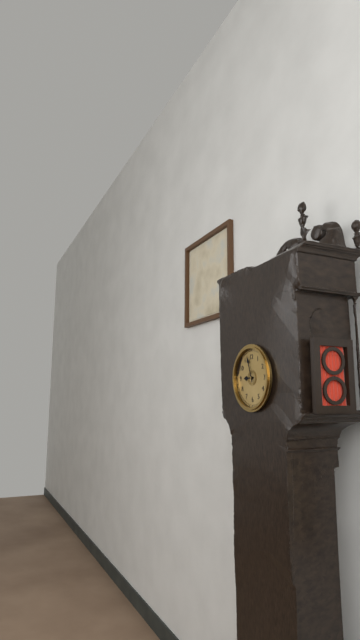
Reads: h=8 m=57
